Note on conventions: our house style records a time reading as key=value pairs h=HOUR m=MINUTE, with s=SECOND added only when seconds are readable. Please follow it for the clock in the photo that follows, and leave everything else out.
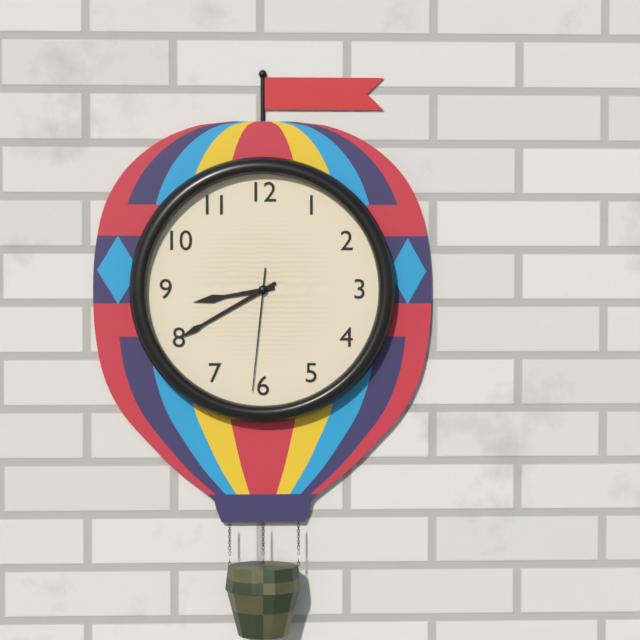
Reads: h=8 m=40 s=31
